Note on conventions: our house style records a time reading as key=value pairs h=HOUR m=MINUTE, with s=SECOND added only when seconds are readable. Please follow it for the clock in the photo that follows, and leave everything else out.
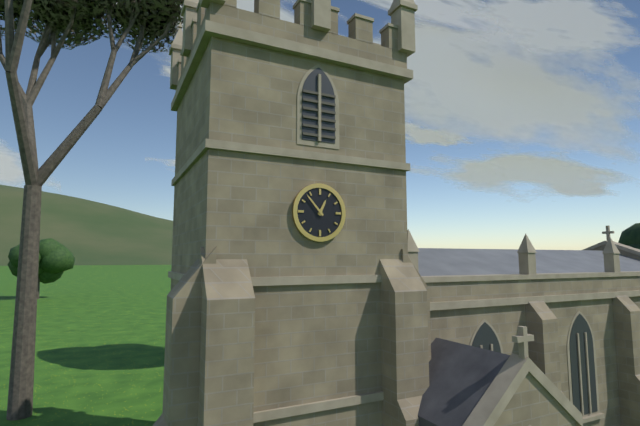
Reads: h=12 m=53
